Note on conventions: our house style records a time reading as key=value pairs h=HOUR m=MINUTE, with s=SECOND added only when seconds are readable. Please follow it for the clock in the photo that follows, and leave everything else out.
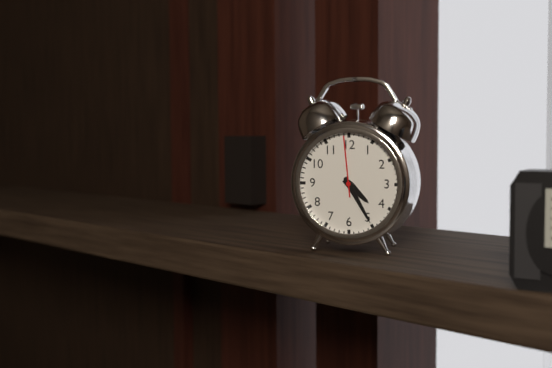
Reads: h=4 m=25 s=59
